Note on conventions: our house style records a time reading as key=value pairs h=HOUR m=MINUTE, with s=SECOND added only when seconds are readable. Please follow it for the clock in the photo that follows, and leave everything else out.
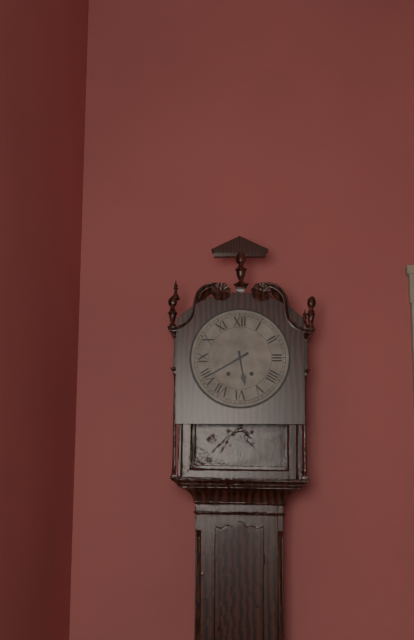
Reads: h=5 m=40
